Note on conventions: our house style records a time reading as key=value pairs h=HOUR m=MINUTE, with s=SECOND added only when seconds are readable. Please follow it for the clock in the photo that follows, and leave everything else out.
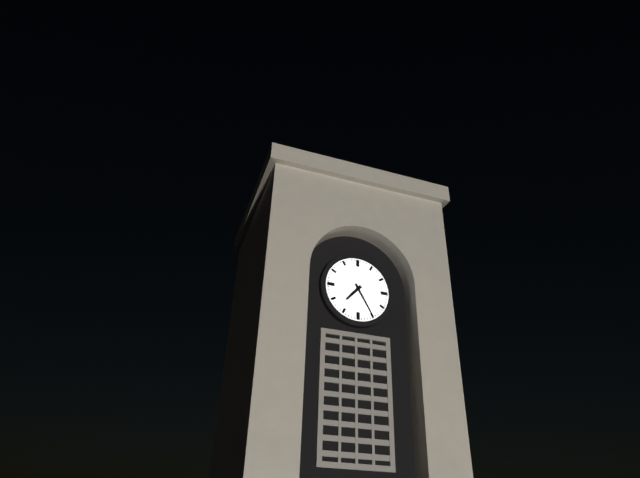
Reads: h=7 m=25
